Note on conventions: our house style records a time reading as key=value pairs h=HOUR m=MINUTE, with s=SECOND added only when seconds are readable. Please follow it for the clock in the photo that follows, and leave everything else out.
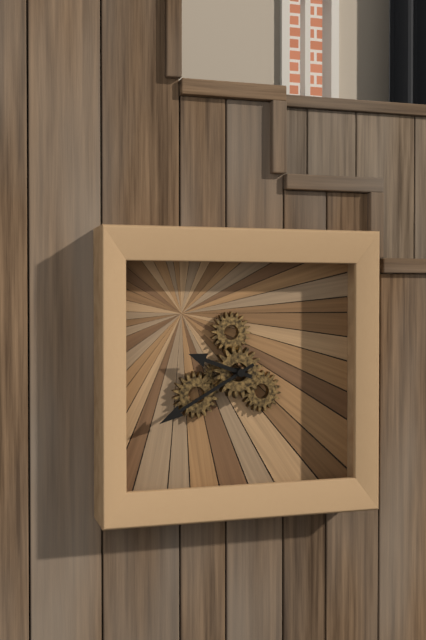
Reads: h=9 m=40
